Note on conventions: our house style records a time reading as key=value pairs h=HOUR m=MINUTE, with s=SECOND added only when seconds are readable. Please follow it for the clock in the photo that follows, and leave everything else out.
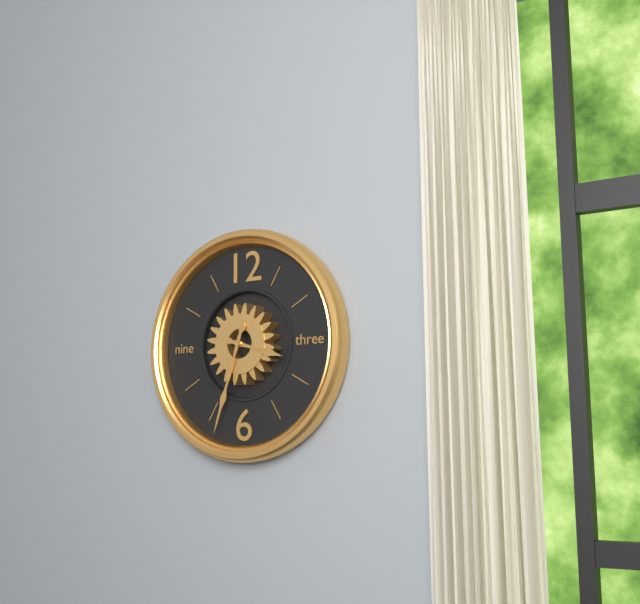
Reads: h=3 m=33
